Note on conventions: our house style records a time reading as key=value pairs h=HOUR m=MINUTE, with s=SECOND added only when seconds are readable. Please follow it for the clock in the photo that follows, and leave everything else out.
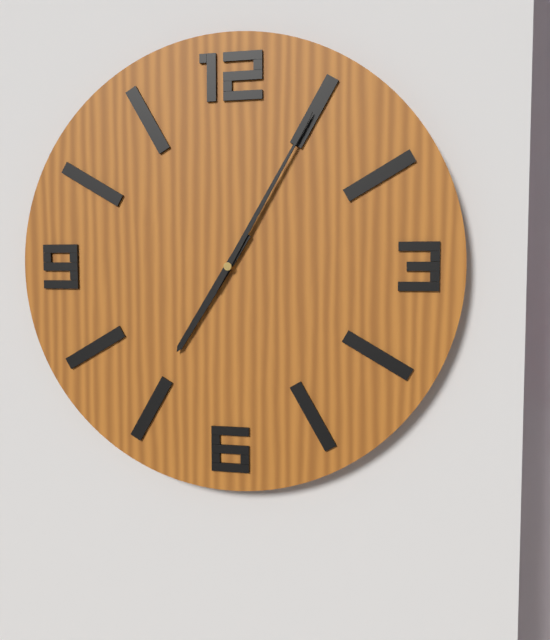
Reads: h=7 m=5
